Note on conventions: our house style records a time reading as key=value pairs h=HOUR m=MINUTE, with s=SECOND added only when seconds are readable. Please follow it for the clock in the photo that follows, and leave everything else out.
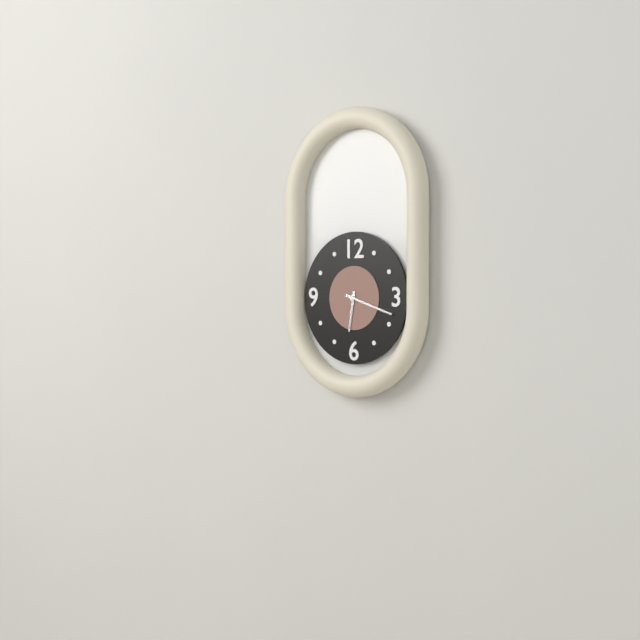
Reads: h=6 m=18
